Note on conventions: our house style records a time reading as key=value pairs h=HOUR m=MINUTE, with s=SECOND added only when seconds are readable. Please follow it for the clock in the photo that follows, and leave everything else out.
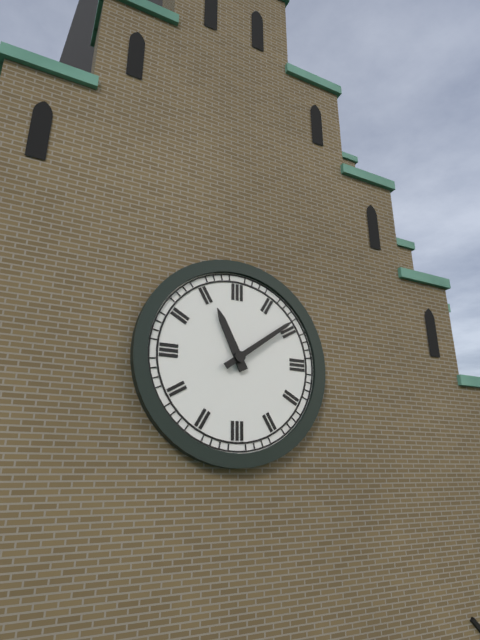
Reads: h=11 m=9
